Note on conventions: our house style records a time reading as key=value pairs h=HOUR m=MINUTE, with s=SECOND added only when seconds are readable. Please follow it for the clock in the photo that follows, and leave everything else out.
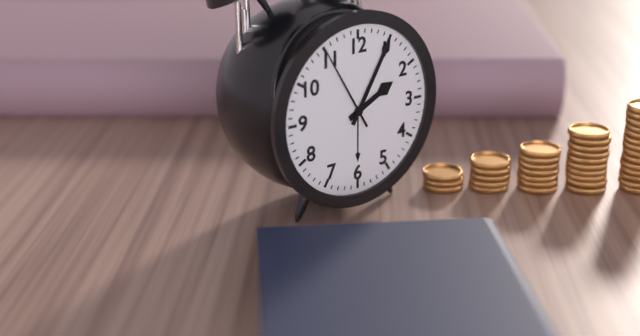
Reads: h=2 m=5 s=55
